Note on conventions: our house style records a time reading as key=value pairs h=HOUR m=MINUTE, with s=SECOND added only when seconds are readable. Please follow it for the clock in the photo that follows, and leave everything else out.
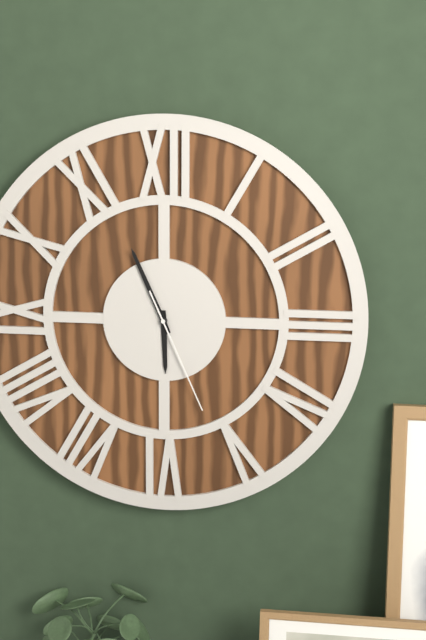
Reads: h=5 m=56 s=26
